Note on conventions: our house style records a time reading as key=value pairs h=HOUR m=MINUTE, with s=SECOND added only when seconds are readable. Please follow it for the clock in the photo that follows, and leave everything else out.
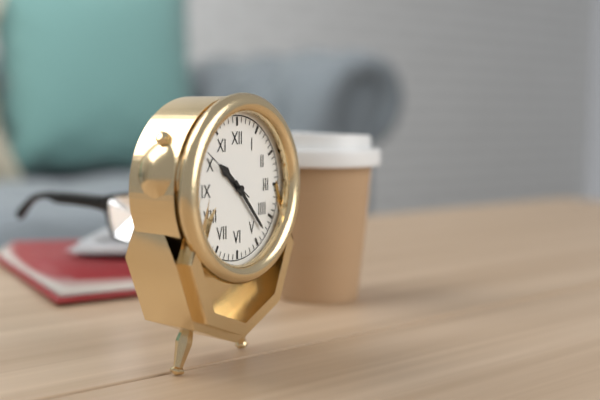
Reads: h=10 m=23 s=51
